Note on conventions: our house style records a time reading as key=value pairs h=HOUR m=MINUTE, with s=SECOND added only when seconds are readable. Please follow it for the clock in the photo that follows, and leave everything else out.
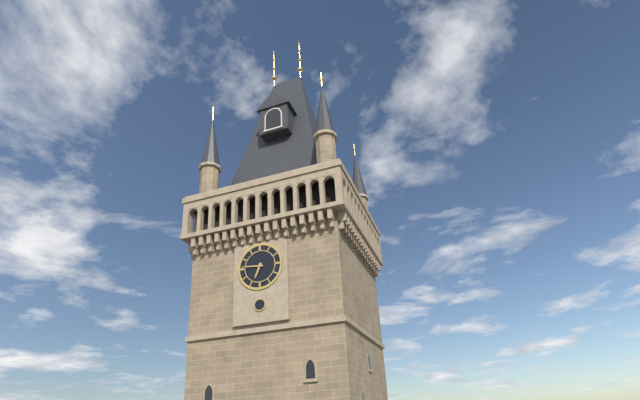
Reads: h=6 m=46
